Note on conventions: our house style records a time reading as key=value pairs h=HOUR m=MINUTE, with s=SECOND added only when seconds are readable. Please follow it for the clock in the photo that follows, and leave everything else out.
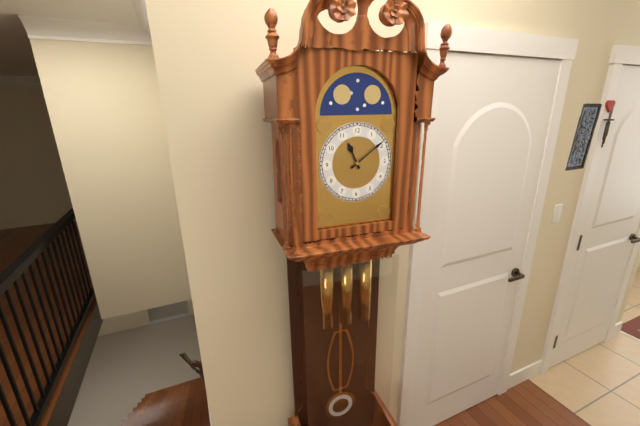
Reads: h=11 m=9
